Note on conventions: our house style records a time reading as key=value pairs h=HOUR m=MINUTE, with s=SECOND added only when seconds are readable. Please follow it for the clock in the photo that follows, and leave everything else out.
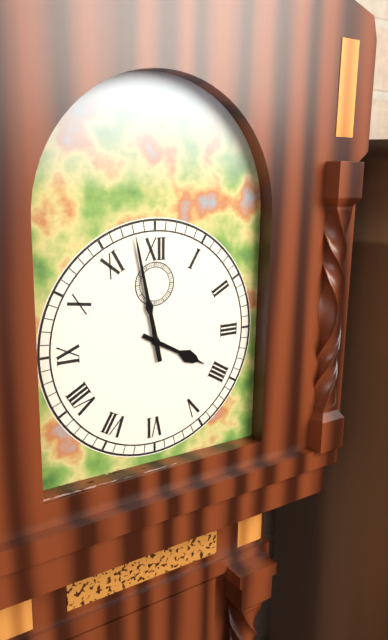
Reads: h=3 m=58
